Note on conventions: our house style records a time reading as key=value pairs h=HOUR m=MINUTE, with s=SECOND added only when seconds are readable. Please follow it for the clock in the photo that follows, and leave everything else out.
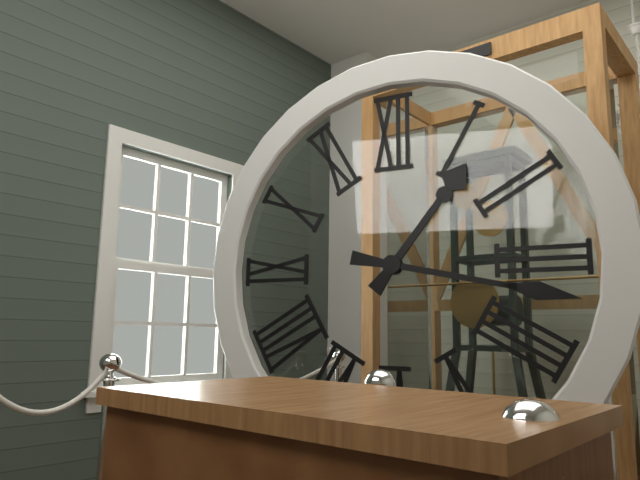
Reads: h=1 m=17
